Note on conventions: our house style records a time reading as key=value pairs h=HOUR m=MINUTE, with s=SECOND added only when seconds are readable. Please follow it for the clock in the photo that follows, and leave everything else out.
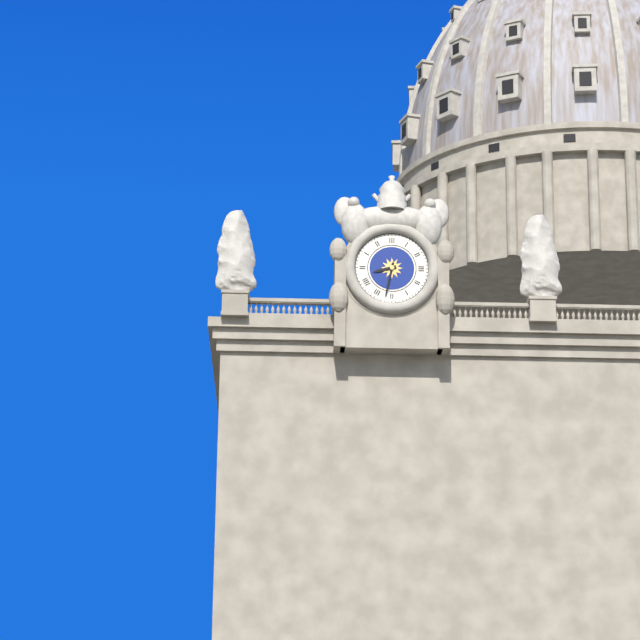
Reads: h=8 m=32
